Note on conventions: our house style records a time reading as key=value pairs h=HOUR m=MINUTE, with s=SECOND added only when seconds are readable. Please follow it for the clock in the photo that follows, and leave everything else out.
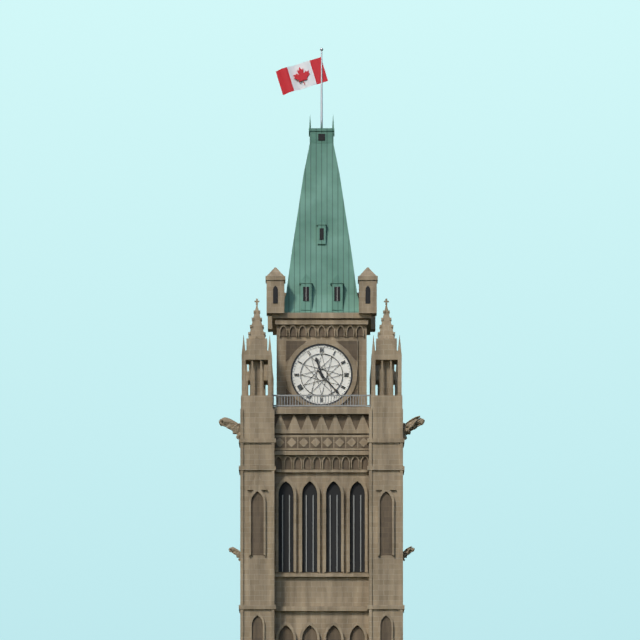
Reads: h=11 m=23
